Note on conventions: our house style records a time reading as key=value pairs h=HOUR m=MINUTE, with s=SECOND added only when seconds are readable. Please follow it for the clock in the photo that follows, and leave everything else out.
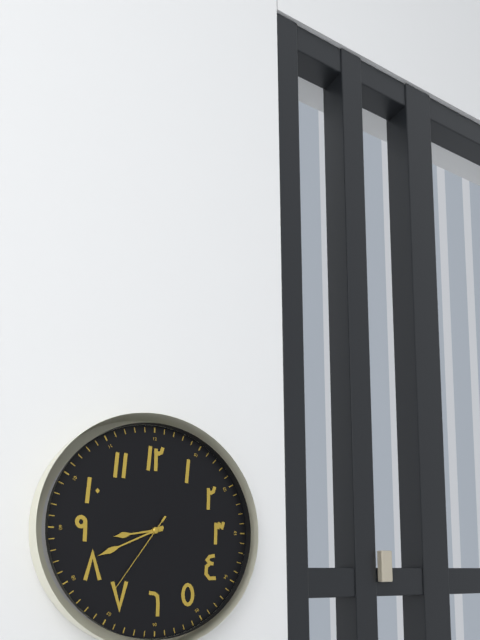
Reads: h=8 m=41 s=36
